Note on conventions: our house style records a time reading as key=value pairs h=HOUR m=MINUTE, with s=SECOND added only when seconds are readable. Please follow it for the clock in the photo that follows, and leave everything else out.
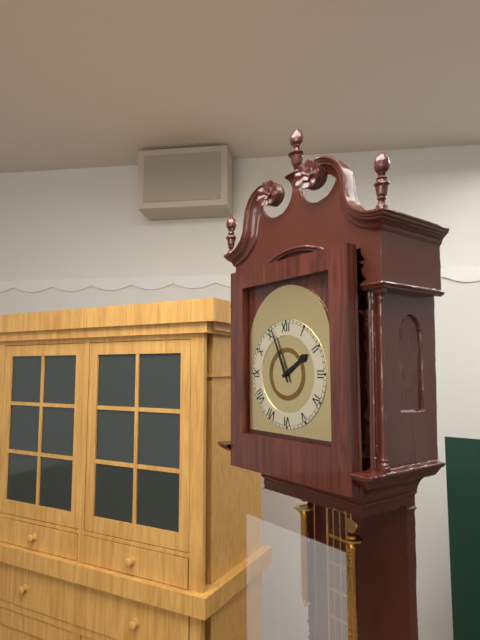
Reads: h=1 m=56
